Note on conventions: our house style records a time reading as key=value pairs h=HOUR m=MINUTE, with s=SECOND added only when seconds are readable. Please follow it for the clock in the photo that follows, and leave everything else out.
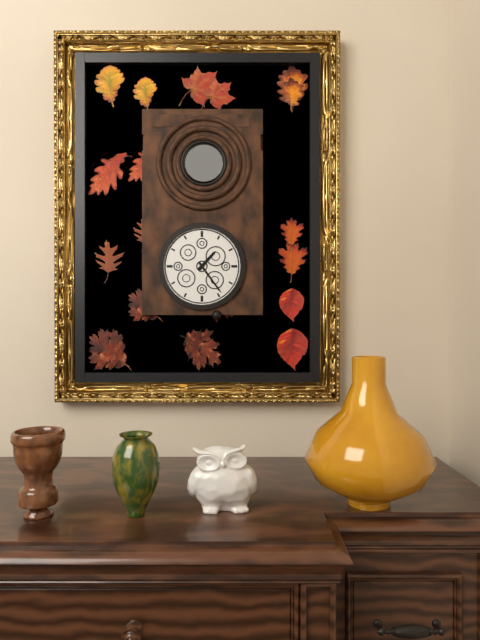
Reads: h=1 m=24
